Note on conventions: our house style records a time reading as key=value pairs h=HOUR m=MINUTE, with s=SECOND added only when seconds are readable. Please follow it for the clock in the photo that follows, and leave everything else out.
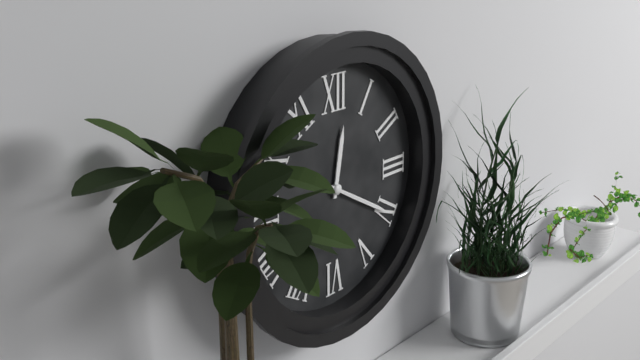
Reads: h=12 m=20
